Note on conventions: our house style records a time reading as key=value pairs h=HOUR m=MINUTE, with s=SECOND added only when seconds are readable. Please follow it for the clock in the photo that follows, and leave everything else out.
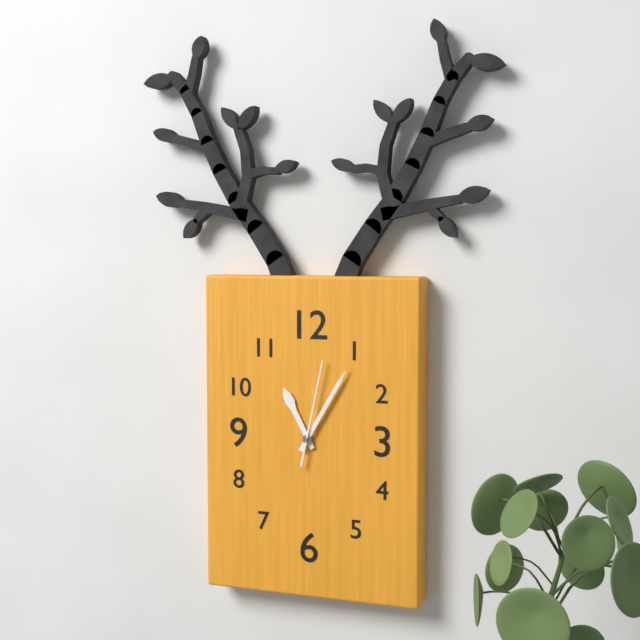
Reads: h=11 m=5 s=2
